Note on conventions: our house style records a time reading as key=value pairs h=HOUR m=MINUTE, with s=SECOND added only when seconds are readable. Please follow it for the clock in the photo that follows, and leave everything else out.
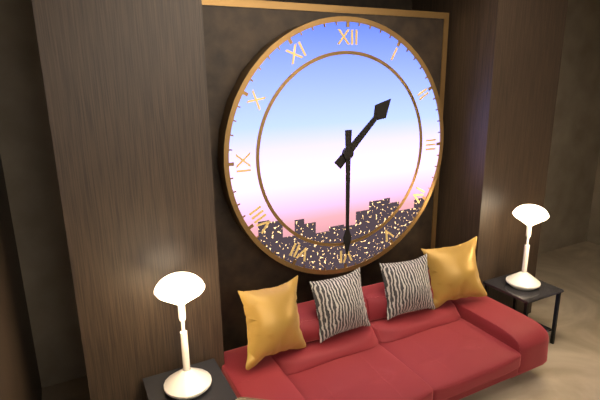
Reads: h=1 m=30
